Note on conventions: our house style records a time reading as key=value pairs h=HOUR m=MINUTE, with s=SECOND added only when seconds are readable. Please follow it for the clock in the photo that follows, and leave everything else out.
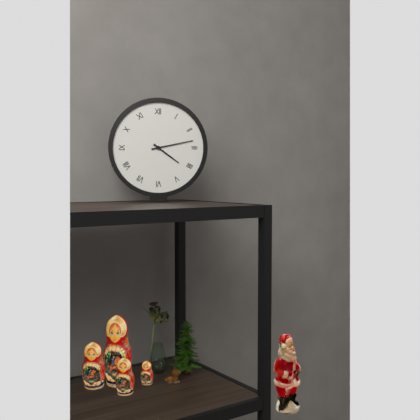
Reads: h=4 m=13
